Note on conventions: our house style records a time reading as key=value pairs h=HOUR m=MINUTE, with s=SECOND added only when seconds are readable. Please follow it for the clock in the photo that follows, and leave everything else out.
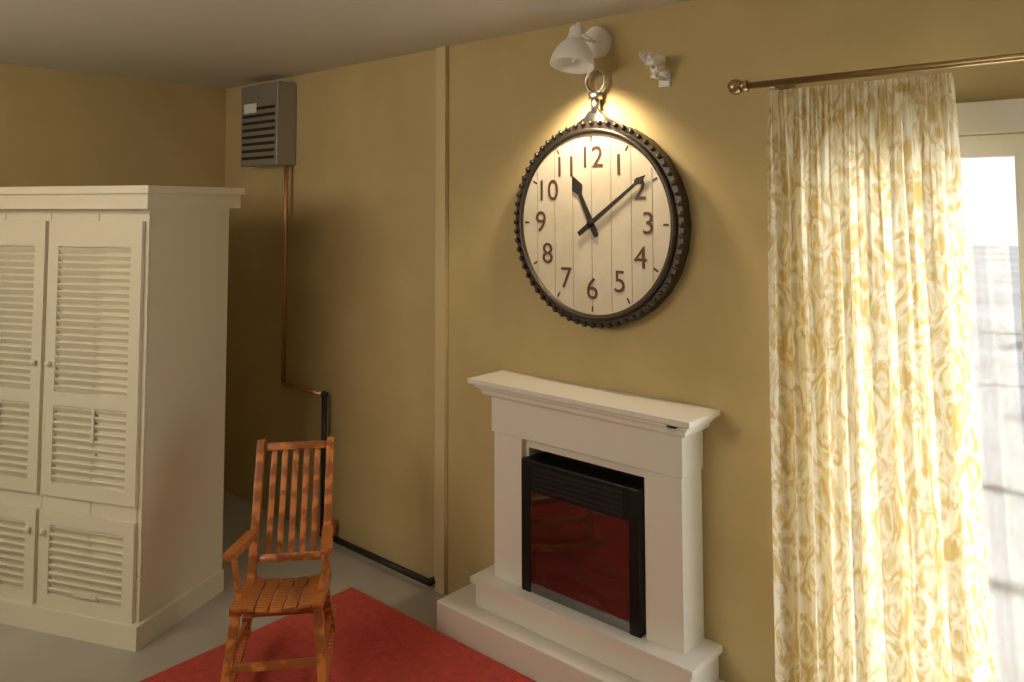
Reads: h=11 m=9
